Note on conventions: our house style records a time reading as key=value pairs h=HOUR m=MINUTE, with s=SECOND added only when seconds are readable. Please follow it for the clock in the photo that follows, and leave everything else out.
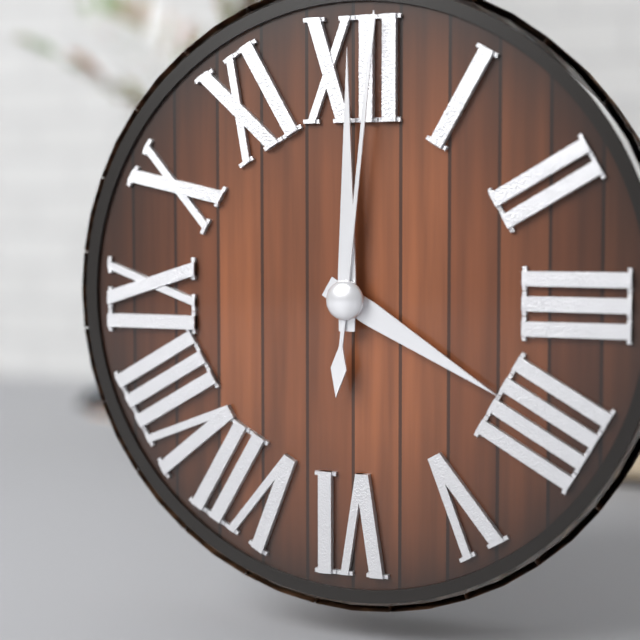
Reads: h=4 m=0 s=1
